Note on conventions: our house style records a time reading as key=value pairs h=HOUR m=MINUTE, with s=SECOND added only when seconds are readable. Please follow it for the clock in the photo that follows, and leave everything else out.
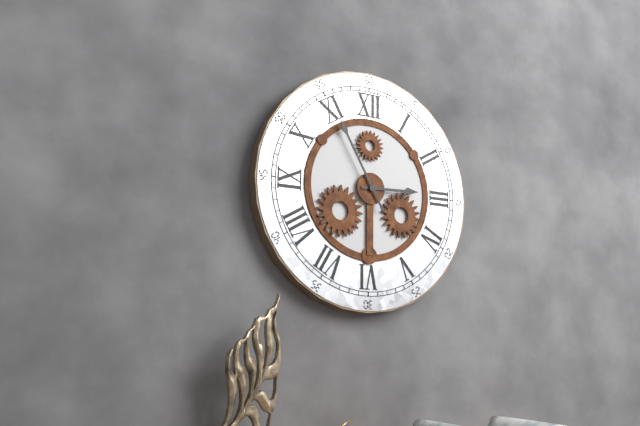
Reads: h=2 m=55
